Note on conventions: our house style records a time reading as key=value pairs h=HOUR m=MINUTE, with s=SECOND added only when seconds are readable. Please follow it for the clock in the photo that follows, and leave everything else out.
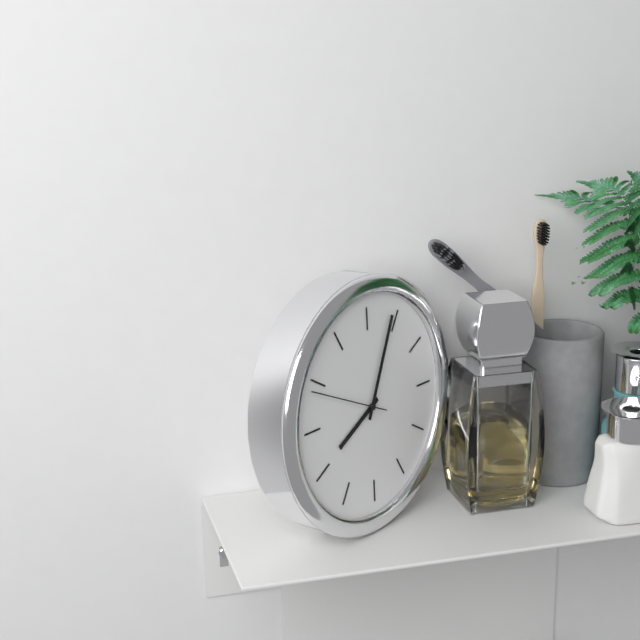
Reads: h=8 m=4 s=49
